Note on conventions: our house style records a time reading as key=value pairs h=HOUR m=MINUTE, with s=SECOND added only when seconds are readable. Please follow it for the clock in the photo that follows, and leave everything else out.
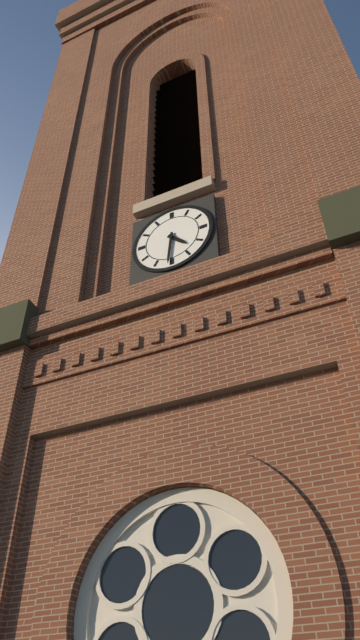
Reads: h=4 m=31
